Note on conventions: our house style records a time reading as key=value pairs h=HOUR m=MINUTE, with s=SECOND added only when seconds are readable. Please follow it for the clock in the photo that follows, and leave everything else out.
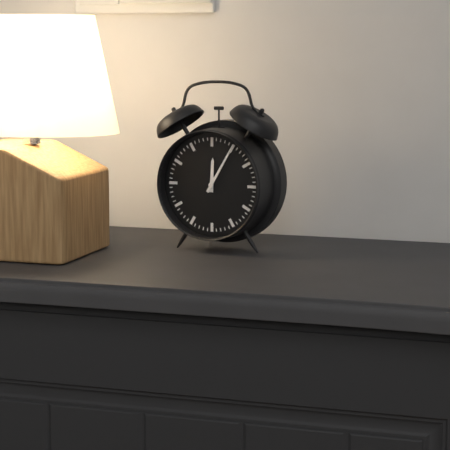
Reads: h=12 m=5
